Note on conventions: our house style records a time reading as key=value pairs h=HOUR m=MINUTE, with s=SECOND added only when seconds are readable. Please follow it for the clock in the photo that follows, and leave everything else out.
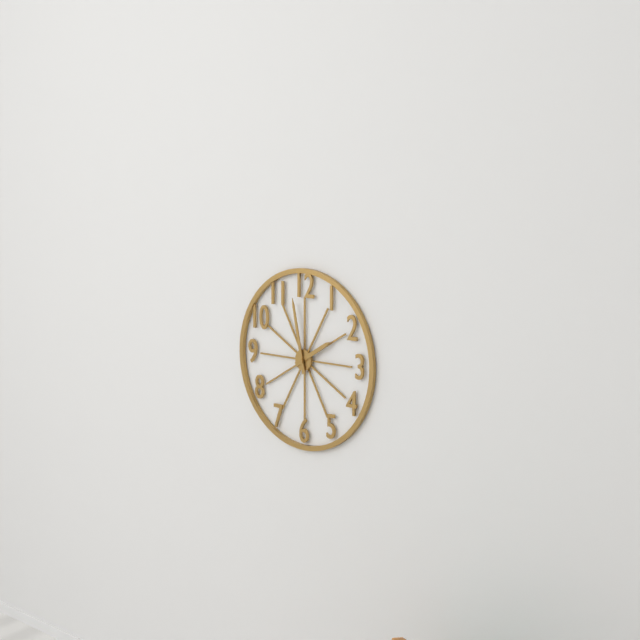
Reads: h=1 m=58
